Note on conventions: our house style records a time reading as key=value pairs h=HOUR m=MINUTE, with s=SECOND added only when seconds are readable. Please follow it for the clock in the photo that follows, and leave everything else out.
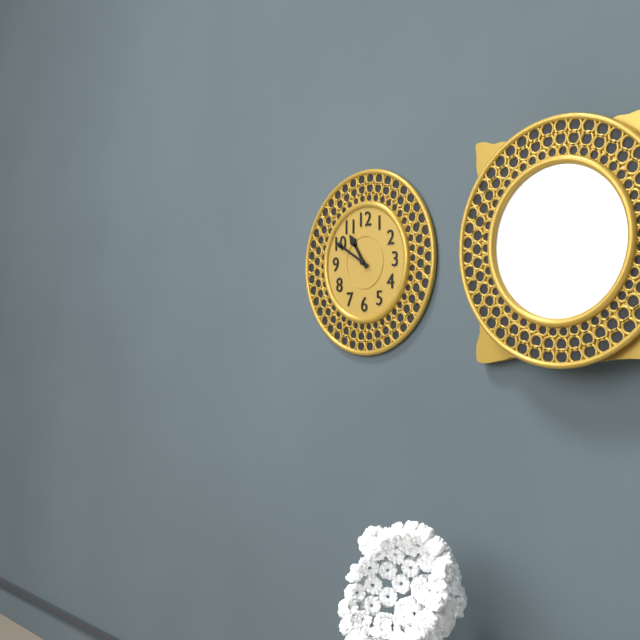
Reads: h=10 m=50
